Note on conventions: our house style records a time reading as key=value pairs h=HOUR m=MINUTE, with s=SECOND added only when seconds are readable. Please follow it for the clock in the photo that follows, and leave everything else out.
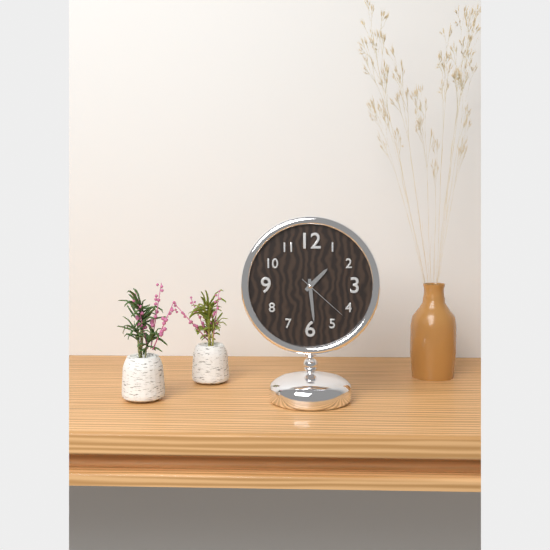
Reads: h=1 m=29 s=22
